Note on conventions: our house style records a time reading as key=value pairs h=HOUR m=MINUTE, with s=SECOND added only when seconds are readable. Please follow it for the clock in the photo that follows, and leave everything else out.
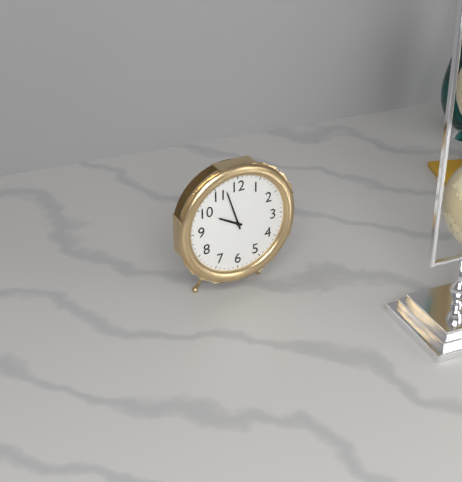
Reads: h=9 m=57
